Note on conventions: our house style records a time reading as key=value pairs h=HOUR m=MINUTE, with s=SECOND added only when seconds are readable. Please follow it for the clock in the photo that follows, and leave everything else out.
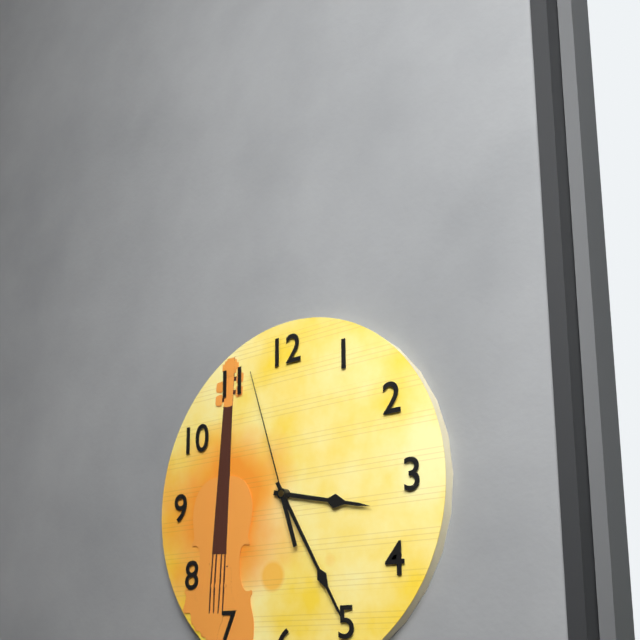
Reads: h=3 m=25 s=57
